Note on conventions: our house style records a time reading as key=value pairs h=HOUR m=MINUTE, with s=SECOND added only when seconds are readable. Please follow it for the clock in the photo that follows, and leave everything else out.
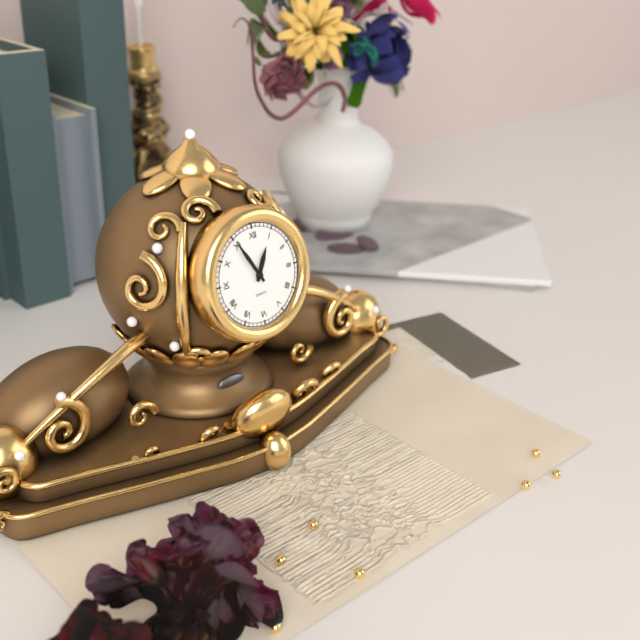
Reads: h=12 m=55
